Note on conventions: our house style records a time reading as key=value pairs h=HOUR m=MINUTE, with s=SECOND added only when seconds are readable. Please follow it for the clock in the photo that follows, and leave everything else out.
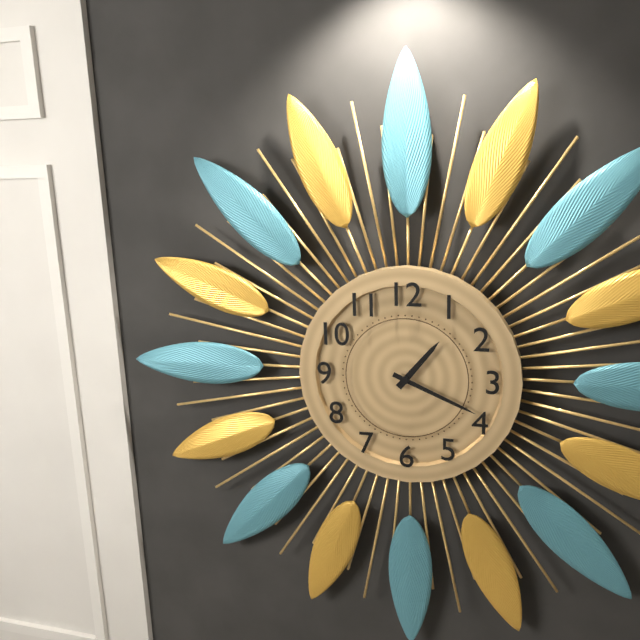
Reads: h=1 m=19
